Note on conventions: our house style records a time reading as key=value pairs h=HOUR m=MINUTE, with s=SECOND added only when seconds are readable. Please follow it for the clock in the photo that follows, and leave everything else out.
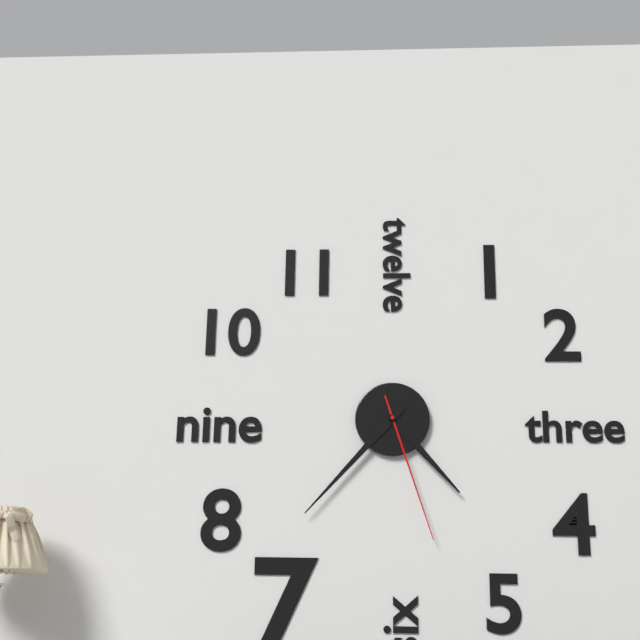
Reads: h=4 m=37 s=27
